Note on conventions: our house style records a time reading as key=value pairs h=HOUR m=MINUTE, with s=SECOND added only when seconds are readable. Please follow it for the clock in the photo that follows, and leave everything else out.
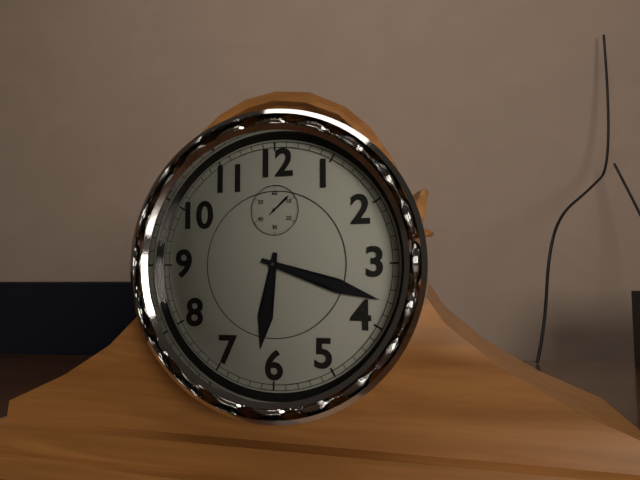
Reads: h=6 m=18
